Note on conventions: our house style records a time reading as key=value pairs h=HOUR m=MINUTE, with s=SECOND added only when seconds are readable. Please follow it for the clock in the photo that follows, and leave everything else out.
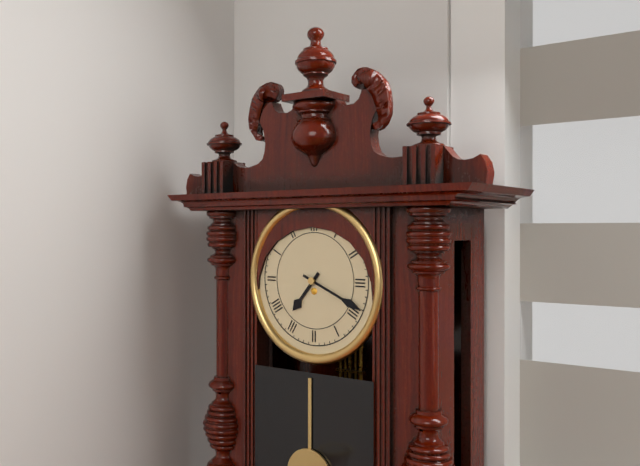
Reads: h=7 m=19
